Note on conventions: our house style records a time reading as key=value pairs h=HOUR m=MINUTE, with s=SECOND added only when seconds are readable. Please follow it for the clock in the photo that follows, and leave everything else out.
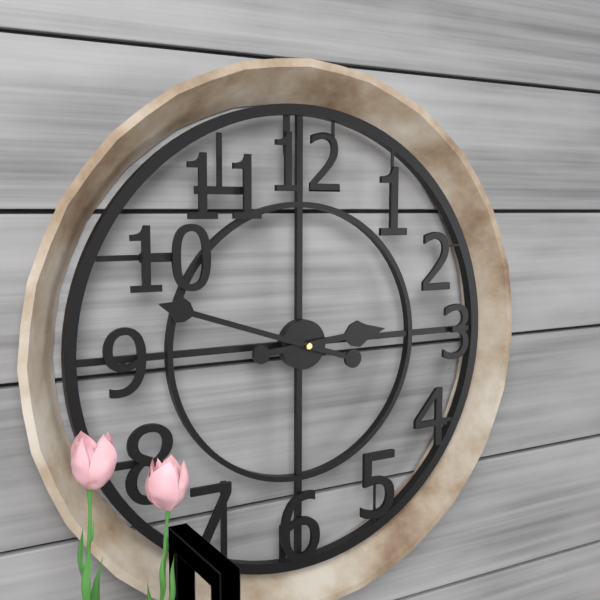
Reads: h=2 m=48
